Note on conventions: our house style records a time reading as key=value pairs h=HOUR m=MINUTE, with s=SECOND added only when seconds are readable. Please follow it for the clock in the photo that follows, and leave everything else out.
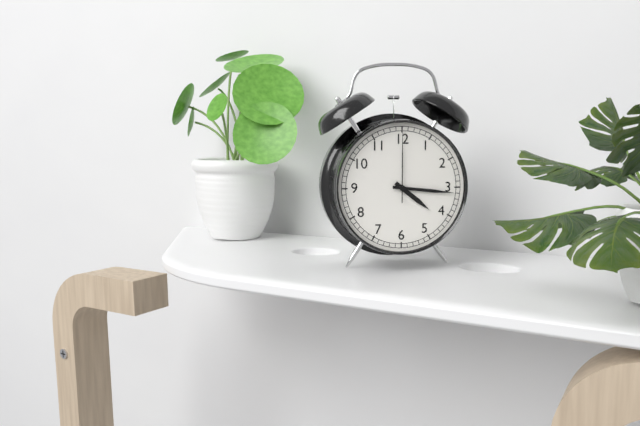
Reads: h=4 m=16 s=0
